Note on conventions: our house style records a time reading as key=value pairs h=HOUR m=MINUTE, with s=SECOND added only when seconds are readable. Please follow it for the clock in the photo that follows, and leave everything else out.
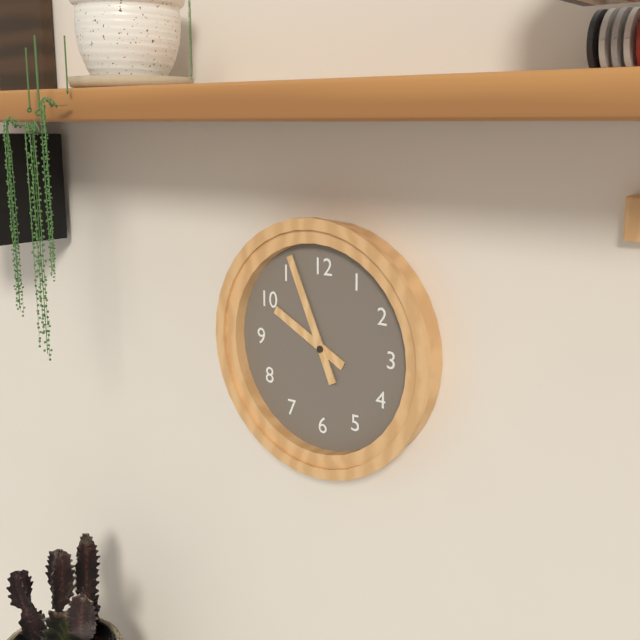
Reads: h=9 m=56
